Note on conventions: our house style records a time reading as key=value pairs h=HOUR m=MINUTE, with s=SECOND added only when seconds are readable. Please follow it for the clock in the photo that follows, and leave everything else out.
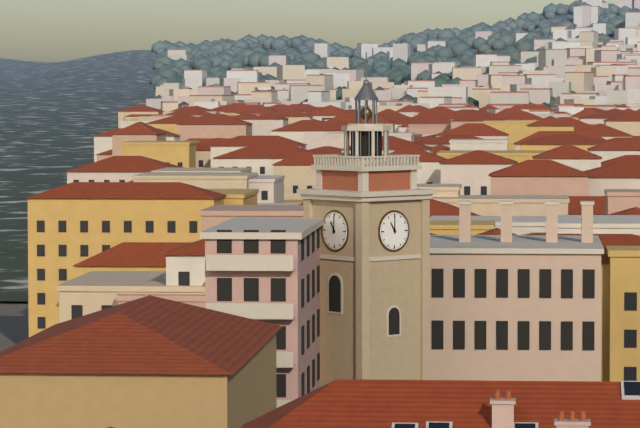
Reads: h=11 m=0
